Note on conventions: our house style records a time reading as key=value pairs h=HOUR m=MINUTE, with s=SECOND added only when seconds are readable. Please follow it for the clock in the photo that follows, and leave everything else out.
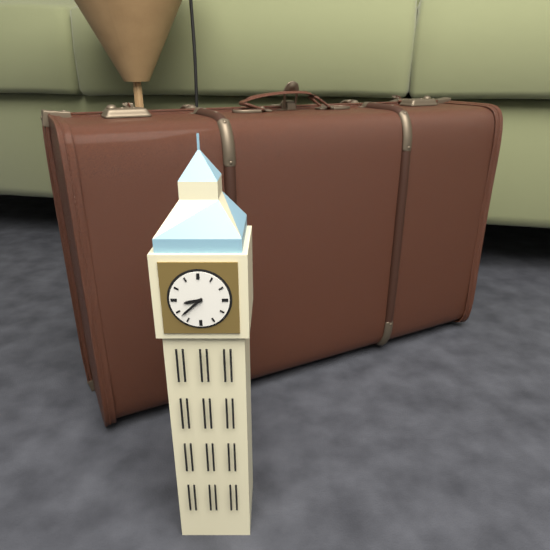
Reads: h=8 m=38
